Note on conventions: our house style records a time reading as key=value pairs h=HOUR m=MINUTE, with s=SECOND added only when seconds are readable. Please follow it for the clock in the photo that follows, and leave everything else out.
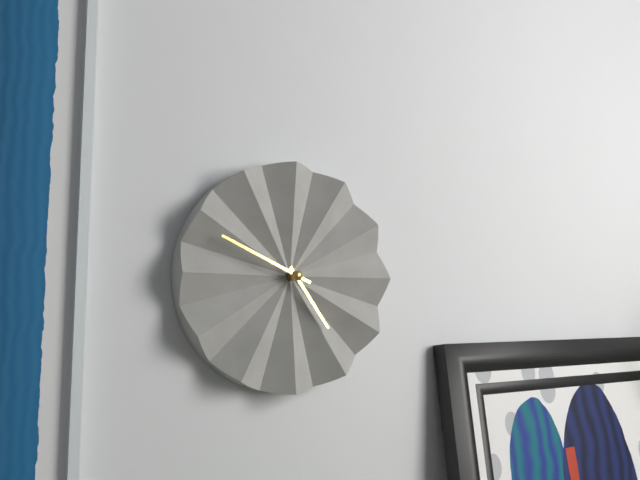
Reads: h=4 m=49
